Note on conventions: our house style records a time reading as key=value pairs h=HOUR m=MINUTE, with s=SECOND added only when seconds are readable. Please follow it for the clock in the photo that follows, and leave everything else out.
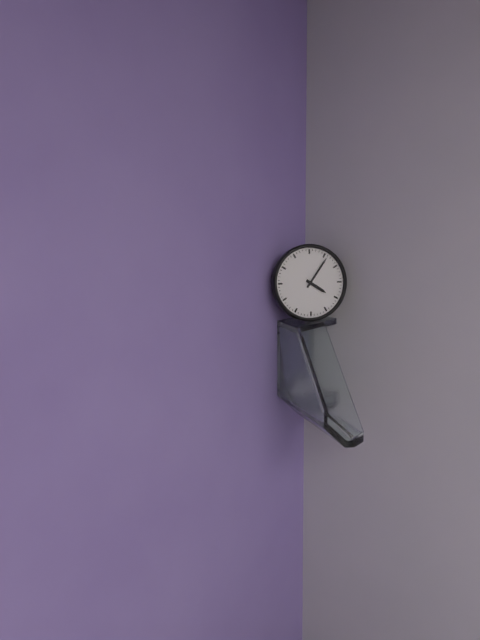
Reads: h=4 m=6
